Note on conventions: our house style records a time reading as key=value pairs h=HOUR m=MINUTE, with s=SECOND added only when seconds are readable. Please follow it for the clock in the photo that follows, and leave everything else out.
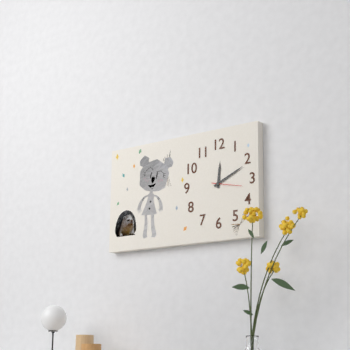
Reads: h=12 m=11
